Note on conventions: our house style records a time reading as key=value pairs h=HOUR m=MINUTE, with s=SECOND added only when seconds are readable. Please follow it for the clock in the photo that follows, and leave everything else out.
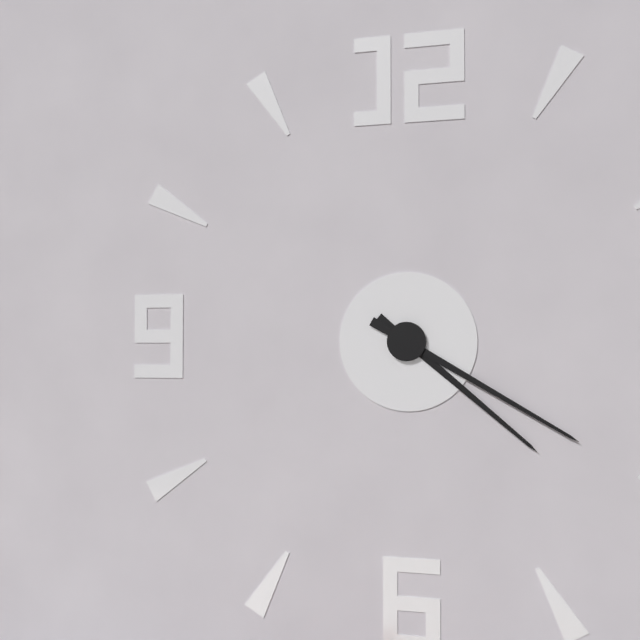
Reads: h=4 m=20
